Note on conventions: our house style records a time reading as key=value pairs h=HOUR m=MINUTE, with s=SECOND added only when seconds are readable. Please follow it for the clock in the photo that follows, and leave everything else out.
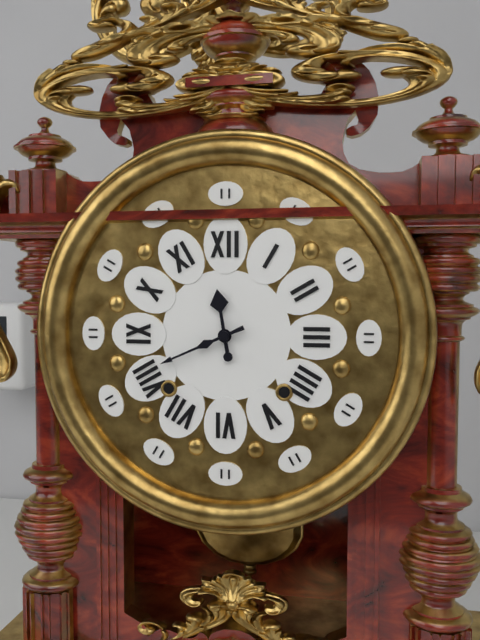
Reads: h=11 m=41
